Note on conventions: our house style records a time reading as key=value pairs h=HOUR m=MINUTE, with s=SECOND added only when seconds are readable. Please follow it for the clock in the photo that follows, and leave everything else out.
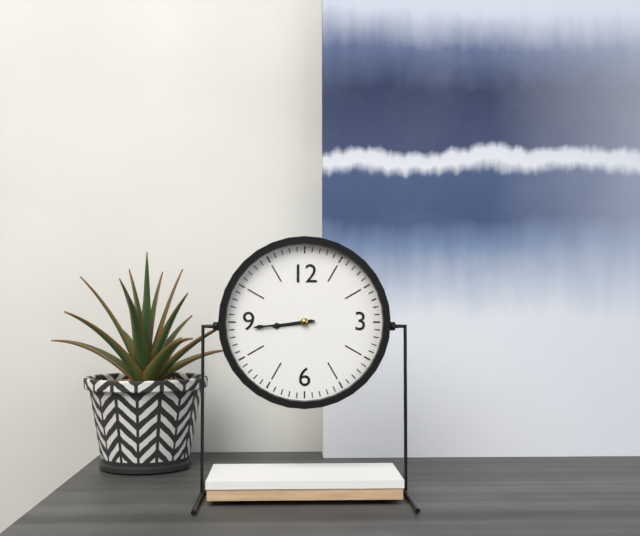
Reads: h=8 m=44
